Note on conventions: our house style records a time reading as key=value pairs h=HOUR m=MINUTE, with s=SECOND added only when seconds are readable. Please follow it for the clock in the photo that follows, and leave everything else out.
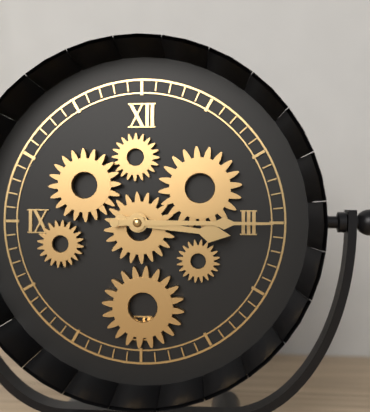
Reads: h=3 m=15
